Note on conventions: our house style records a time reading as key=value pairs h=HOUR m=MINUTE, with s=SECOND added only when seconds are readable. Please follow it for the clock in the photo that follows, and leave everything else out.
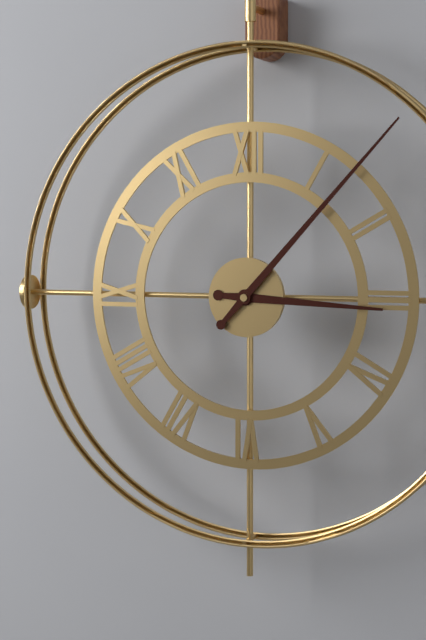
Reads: h=3 m=7
